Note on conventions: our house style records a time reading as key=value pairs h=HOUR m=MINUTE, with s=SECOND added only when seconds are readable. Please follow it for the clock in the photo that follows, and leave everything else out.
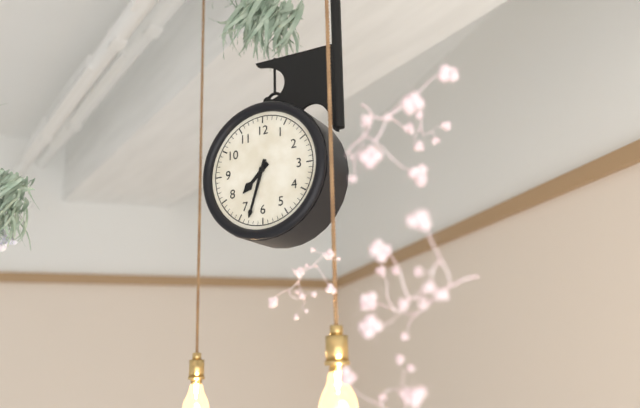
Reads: h=7 m=33
